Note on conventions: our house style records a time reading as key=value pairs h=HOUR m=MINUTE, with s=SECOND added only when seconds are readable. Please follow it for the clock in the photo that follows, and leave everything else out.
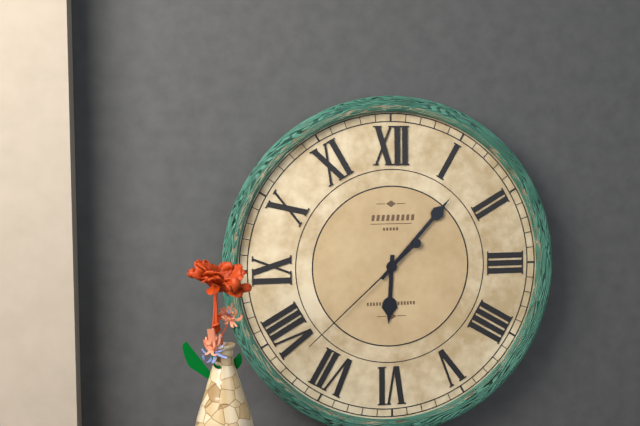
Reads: h=6 m=7 s=38
